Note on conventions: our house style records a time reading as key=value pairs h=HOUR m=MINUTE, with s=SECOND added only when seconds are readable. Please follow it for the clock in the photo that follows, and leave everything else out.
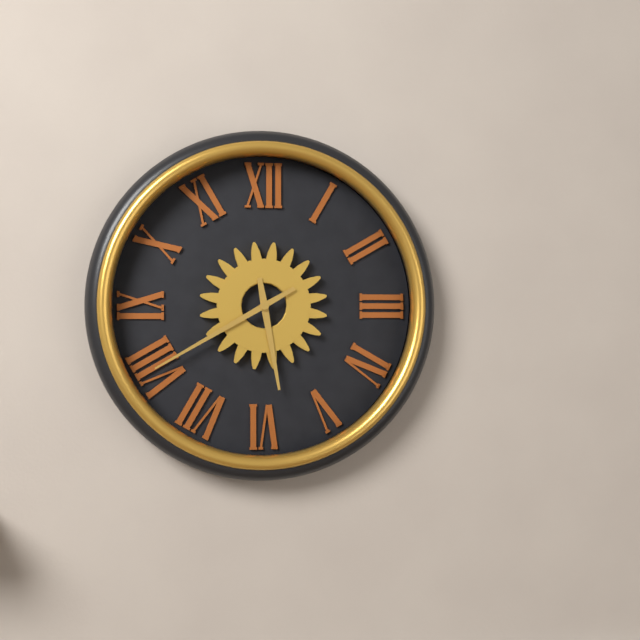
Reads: h=5 m=40
